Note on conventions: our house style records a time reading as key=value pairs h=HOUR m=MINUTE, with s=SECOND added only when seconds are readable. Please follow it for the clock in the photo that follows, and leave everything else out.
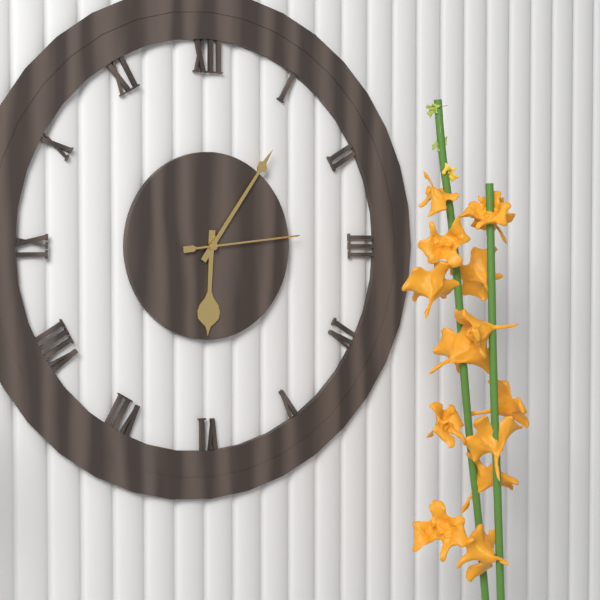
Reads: h=6 m=6 s=14
